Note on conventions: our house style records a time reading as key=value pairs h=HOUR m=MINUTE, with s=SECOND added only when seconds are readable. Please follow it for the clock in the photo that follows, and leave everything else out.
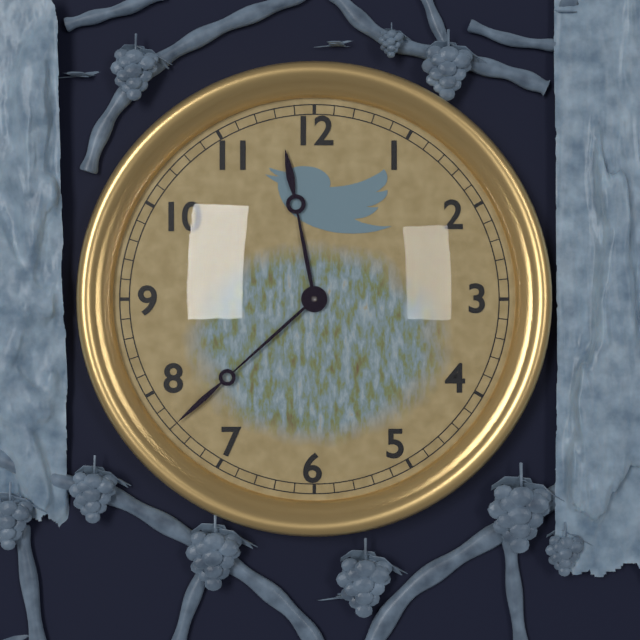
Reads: h=11 m=38
